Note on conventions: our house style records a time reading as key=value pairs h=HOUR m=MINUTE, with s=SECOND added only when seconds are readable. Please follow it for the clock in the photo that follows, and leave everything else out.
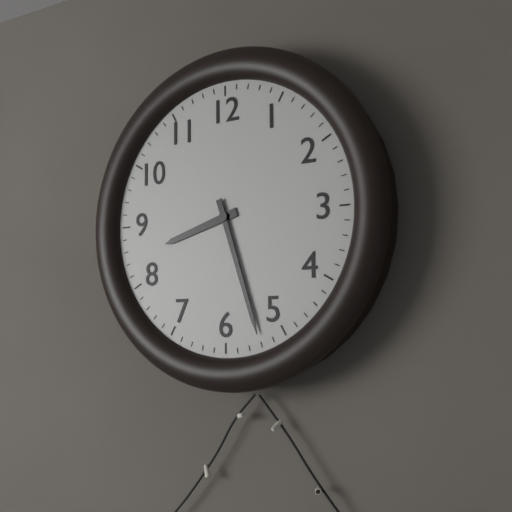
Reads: h=8 m=27
